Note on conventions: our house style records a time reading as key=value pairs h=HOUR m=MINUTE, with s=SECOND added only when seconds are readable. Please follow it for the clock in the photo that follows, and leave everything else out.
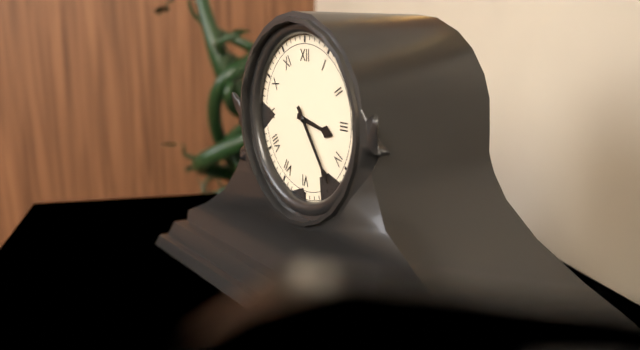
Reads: h=3 m=24
